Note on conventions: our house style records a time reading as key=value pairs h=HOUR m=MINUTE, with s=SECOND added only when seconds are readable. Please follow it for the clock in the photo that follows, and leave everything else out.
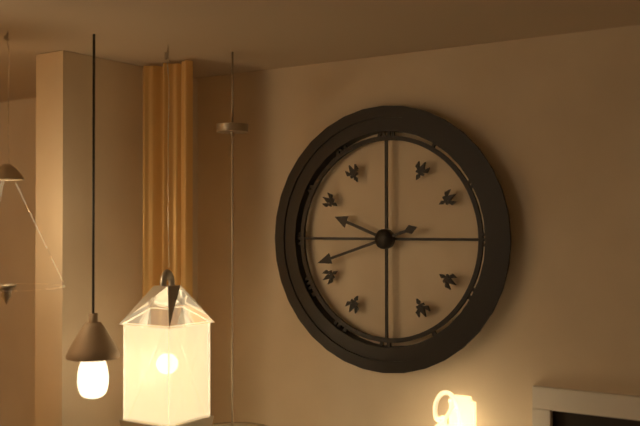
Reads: h=9 m=42
